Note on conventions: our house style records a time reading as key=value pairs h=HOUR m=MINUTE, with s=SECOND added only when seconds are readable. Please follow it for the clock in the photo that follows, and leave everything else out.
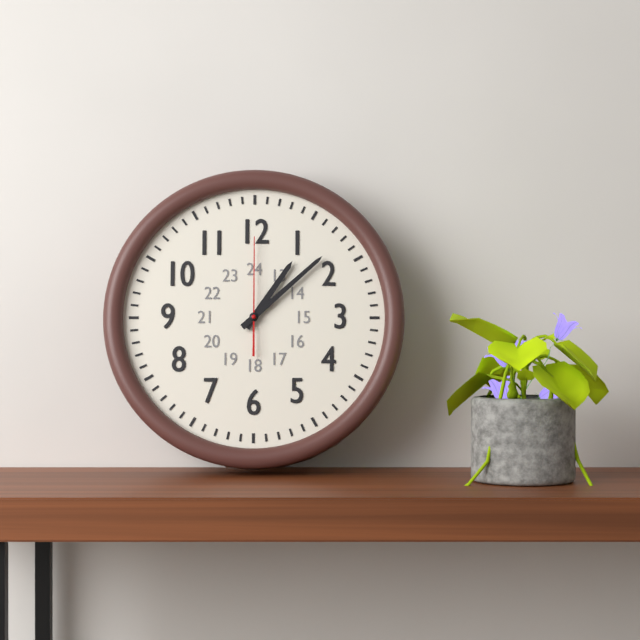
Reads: h=1 m=8 s=0
